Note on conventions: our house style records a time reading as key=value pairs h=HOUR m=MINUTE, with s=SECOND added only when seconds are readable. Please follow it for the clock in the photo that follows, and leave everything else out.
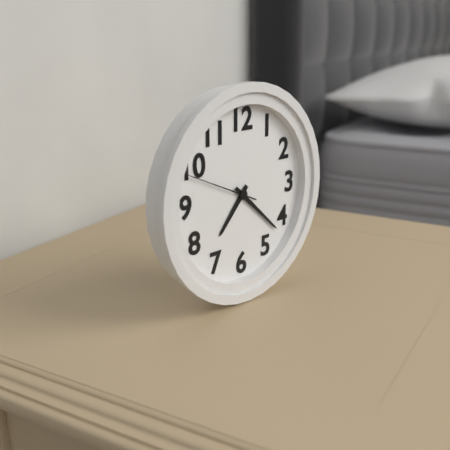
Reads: h=7 m=22 s=49
